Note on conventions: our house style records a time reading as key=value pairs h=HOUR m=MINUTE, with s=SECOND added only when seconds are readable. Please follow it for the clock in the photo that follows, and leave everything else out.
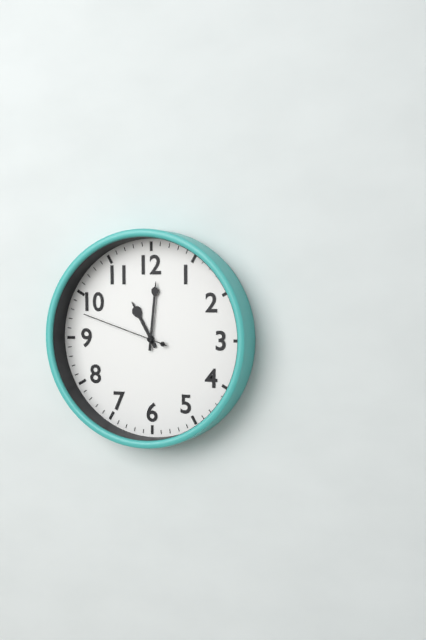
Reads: h=11 m=1 s=48
